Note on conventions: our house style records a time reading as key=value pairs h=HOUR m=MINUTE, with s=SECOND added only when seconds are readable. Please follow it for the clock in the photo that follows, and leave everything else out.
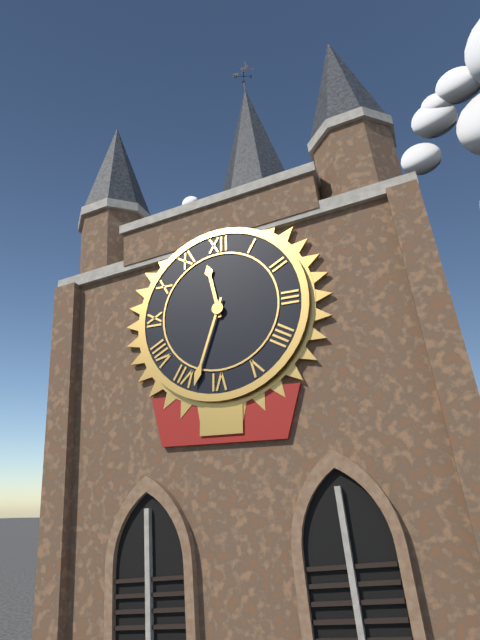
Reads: h=11 m=33
